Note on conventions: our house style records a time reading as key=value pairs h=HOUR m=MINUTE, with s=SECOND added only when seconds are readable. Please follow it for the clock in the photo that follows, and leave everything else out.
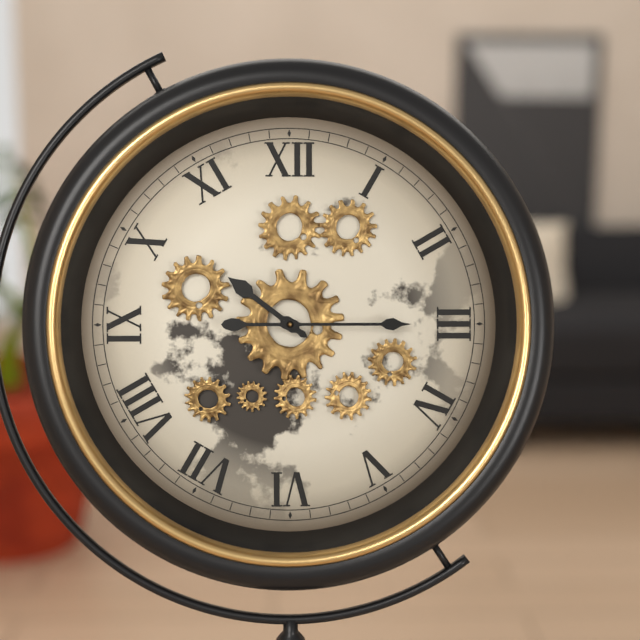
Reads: h=10 m=15
